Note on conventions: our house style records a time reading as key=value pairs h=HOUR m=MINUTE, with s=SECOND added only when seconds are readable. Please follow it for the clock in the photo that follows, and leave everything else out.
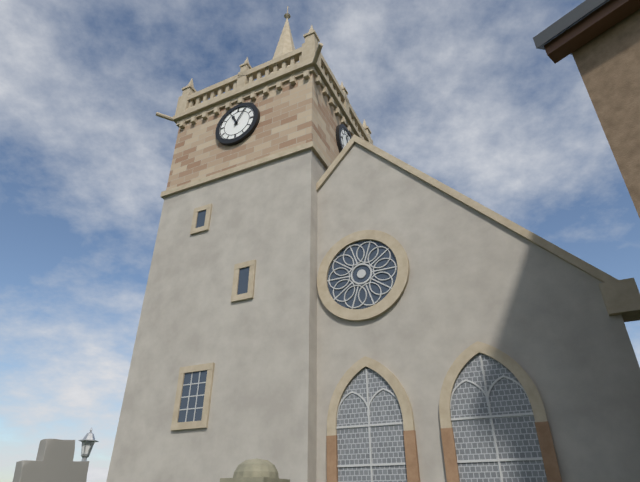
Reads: h=11 m=5
